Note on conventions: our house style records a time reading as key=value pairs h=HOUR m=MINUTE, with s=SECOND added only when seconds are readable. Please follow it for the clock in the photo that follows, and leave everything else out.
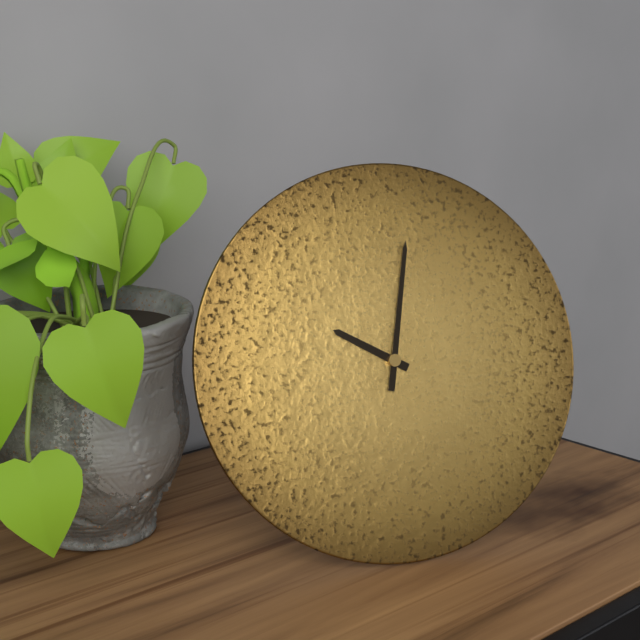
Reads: h=10 m=2
